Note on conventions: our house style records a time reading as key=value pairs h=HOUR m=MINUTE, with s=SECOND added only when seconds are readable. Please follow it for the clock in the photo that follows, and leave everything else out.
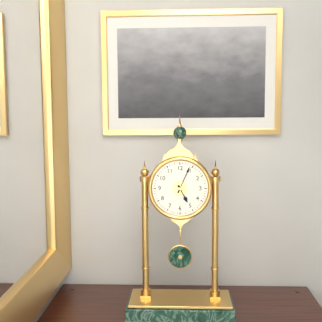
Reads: h=5 m=4
